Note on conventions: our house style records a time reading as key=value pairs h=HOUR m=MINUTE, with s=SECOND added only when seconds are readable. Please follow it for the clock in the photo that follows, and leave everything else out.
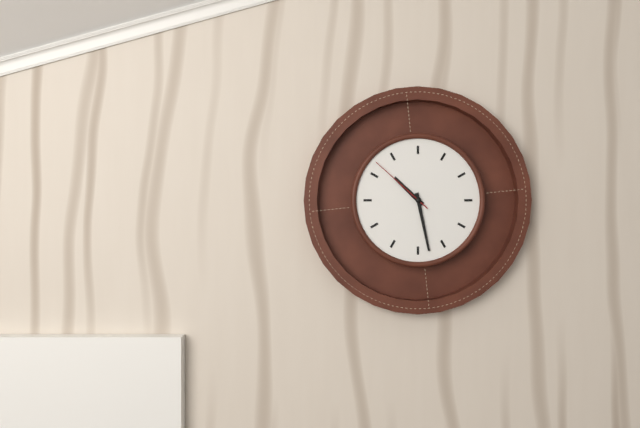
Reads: h=10 m=28 s=52
